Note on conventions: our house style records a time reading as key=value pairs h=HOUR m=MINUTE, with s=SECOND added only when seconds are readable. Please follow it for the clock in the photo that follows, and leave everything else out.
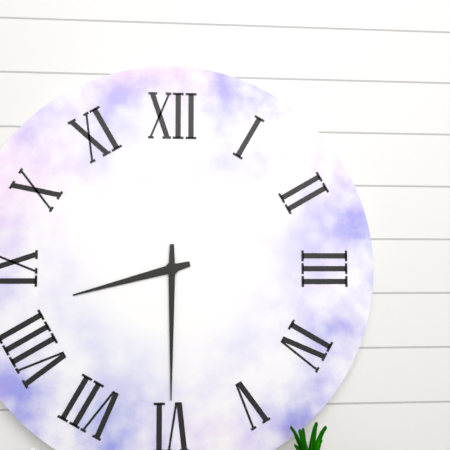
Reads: h=8 m=30
